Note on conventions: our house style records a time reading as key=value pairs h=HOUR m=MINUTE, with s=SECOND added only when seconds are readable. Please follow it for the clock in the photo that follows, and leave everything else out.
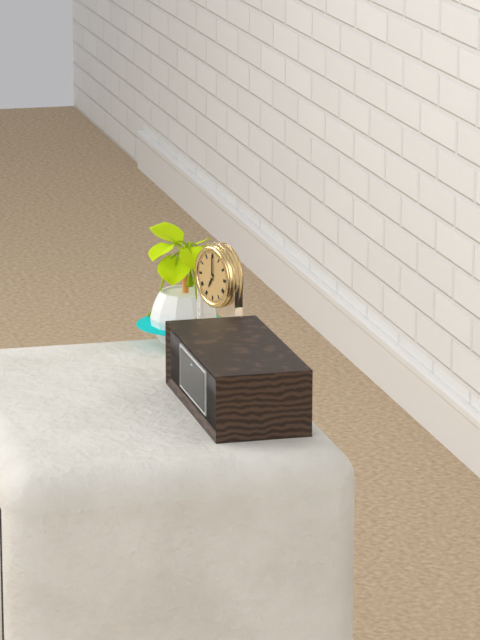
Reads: h=7 m=0
